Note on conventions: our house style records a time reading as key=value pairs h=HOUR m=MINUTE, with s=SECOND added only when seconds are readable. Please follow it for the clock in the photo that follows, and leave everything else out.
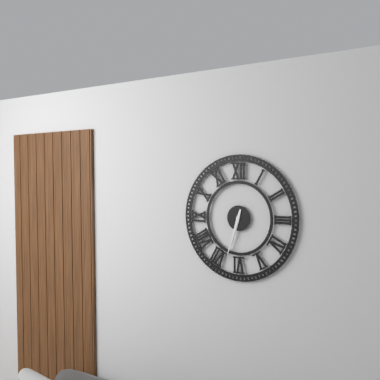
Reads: h=6 m=33
